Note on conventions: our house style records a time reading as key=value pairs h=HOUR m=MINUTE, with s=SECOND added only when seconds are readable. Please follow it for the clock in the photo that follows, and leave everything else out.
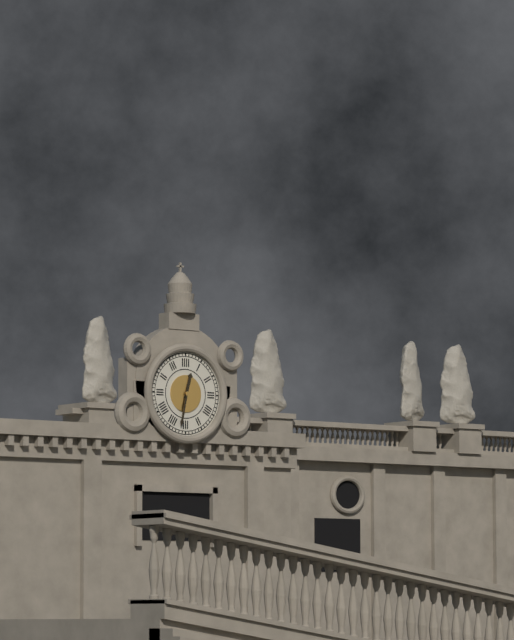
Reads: h=12 m=32
